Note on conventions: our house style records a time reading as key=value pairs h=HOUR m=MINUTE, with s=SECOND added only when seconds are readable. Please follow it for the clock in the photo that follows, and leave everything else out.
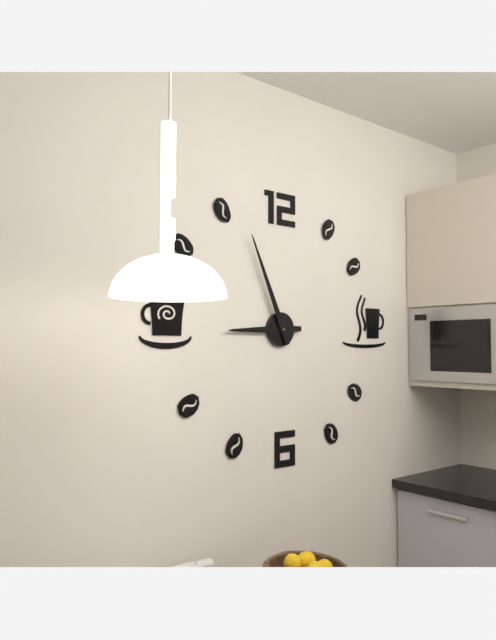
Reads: h=8 m=56
